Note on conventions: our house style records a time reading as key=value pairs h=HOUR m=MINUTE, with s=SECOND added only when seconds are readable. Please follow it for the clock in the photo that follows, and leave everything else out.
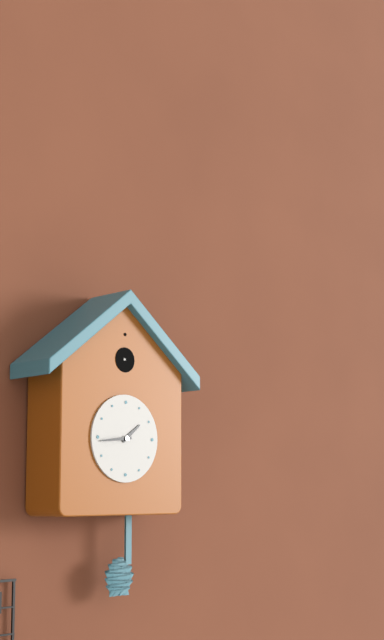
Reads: h=1 m=44
